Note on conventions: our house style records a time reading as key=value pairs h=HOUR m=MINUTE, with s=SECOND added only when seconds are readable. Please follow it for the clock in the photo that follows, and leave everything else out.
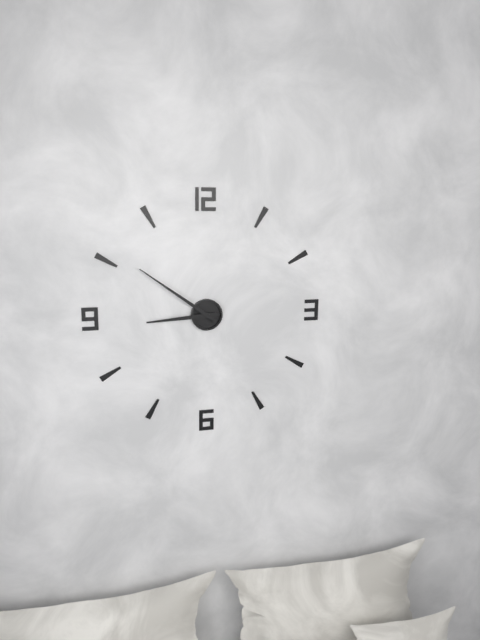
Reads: h=8 m=51
